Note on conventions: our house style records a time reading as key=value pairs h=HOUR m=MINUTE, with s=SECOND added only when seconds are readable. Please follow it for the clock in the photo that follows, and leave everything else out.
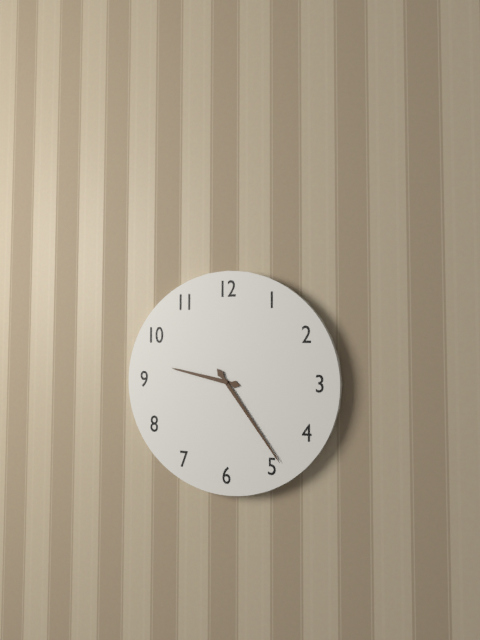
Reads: h=9 m=24
